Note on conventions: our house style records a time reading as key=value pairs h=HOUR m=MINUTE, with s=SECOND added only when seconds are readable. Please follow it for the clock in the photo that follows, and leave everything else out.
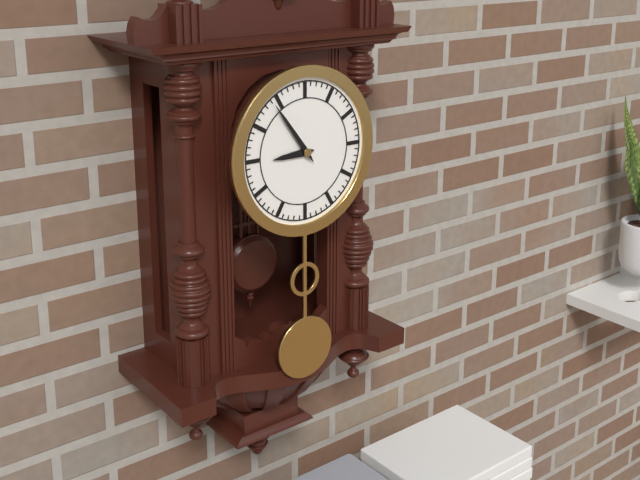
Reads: h=8 m=54
